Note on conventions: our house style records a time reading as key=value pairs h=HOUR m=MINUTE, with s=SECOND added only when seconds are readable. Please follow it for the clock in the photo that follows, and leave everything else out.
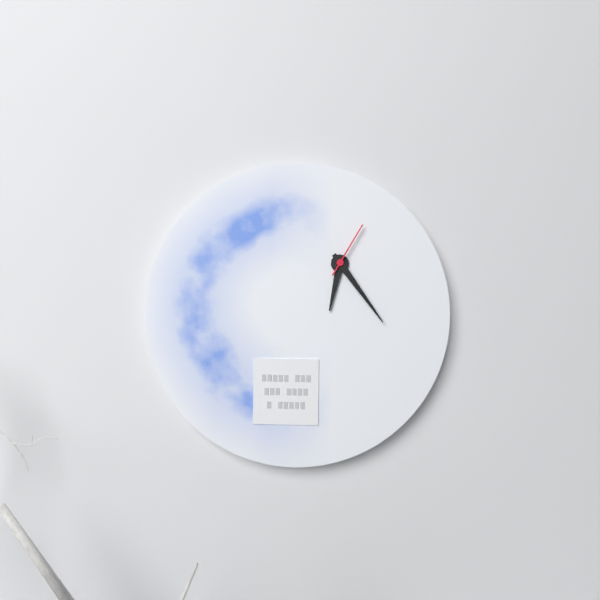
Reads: h=6 m=24 s=5
